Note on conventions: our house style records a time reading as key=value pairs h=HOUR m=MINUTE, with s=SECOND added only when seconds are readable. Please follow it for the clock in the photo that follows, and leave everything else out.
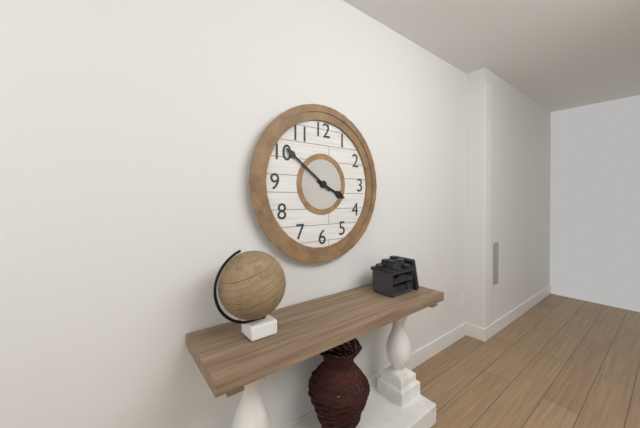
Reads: h=3 m=51
